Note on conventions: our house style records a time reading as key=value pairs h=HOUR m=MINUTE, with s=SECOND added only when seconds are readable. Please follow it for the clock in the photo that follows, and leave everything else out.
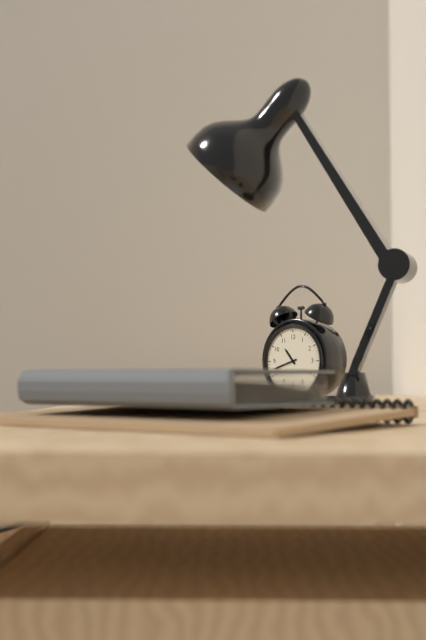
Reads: h=10 m=42
